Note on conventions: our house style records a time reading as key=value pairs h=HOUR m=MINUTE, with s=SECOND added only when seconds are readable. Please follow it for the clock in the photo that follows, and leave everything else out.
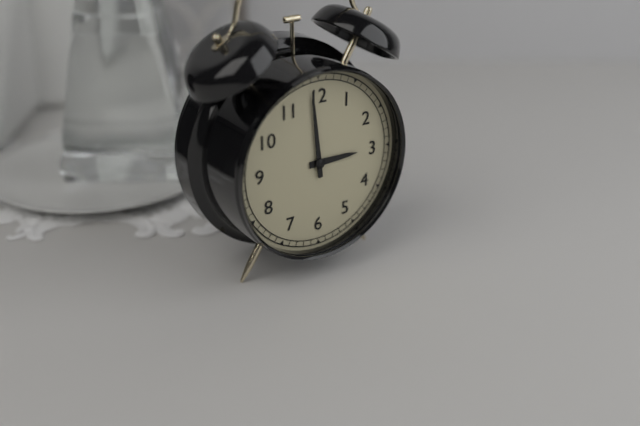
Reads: h=2 m=59
